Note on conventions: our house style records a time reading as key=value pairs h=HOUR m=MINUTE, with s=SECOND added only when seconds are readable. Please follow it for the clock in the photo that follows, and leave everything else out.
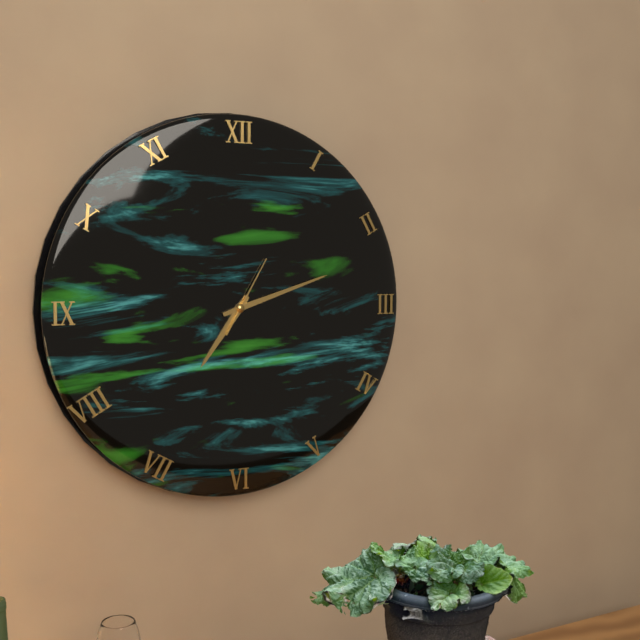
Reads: h=7 m=12 s=5
